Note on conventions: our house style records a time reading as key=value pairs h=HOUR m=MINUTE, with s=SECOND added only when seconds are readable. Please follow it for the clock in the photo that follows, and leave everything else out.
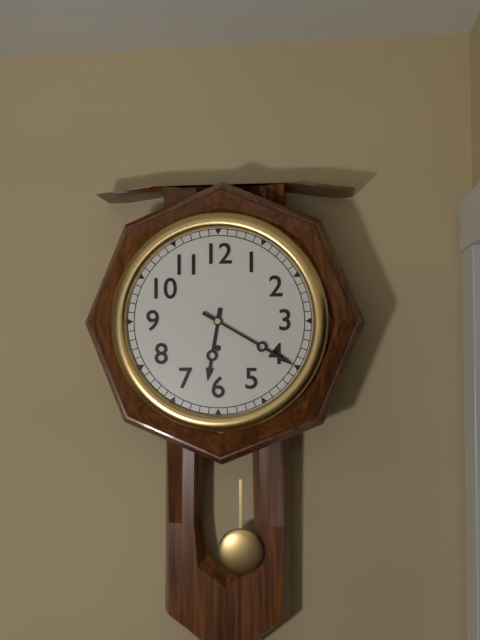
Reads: h=6 m=20
